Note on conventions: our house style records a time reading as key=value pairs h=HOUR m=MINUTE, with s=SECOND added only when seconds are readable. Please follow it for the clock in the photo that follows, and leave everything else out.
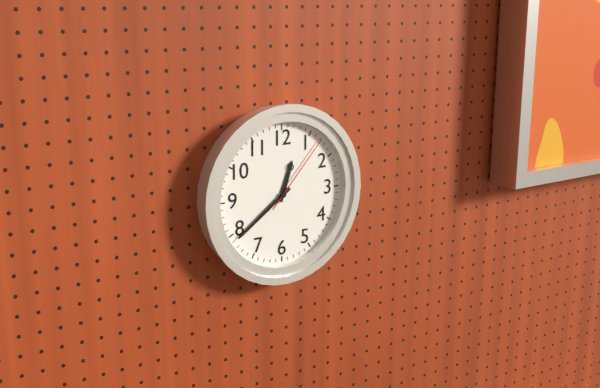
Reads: h=12 m=39 s=7
